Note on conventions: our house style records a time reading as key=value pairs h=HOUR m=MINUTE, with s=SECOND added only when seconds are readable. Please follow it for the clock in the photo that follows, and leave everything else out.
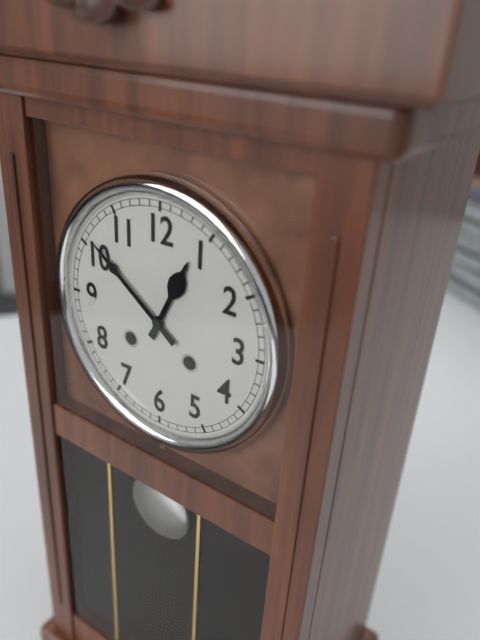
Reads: h=12 m=51
